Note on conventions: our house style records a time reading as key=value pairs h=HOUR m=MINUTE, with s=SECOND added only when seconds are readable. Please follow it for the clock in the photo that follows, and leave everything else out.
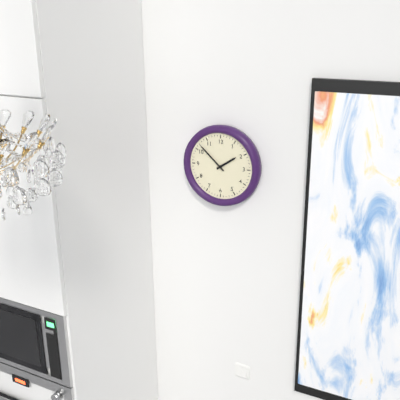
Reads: h=1 m=52
